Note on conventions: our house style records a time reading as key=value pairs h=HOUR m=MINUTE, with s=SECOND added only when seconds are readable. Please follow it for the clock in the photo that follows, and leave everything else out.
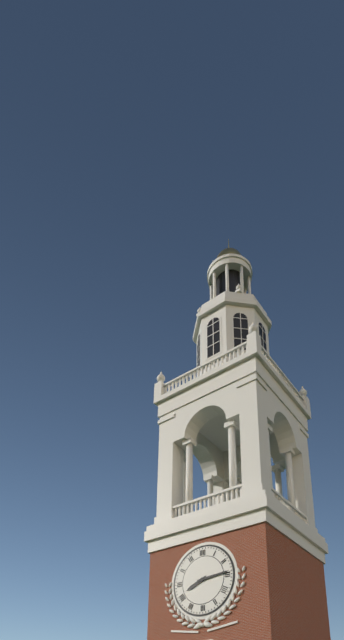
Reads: h=8 m=14
